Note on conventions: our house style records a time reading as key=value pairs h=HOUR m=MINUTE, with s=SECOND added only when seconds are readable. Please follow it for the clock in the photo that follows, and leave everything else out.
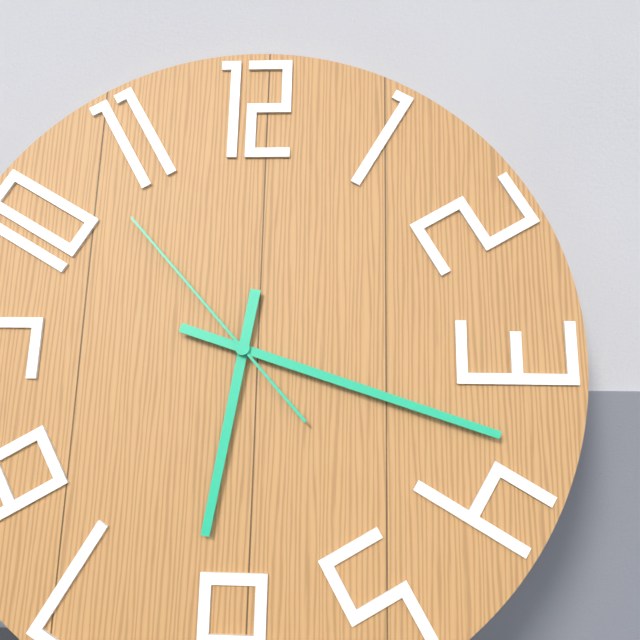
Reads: h=6 m=18 s=53
